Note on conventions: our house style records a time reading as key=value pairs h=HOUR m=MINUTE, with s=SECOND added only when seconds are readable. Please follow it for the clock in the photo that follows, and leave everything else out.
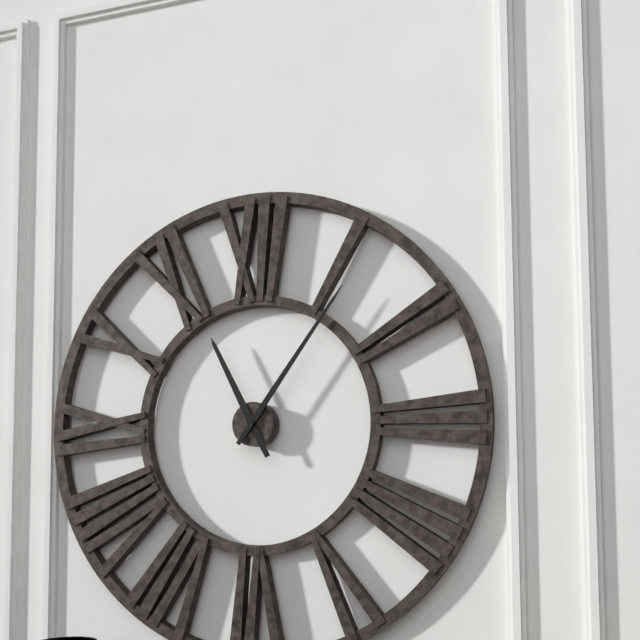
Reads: h=11 m=6
